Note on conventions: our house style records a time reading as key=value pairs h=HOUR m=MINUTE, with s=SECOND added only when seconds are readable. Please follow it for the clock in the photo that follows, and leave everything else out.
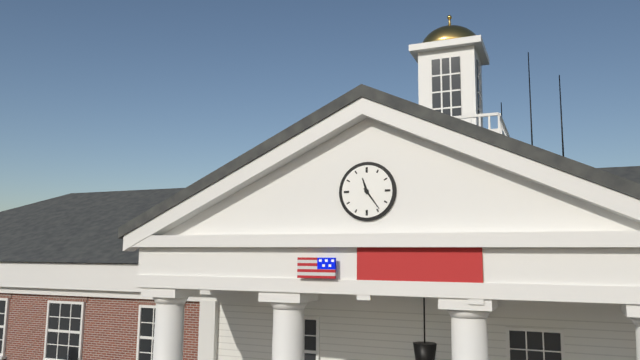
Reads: h=11 m=24
